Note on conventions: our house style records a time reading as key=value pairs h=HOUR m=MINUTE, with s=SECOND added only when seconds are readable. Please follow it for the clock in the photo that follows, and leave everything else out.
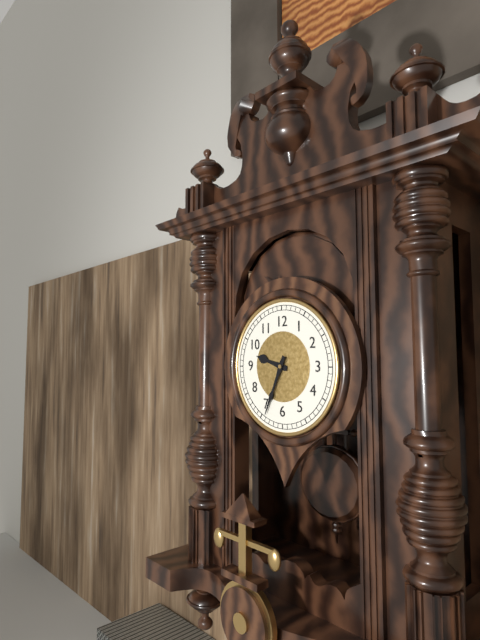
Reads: h=9 m=34
